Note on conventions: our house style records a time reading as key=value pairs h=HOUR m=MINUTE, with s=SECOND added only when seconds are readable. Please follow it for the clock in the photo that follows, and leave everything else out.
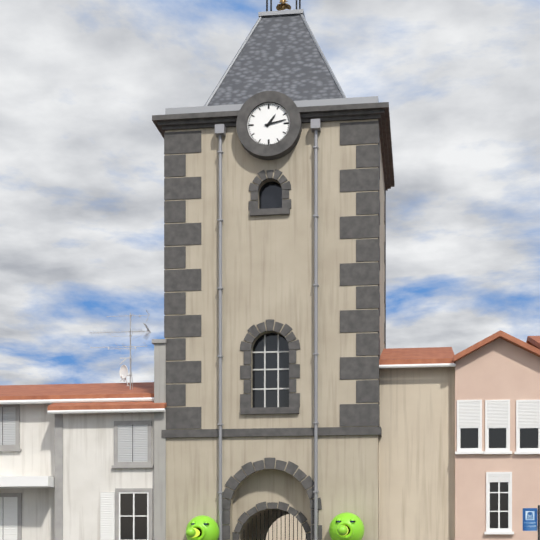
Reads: h=1 m=13
